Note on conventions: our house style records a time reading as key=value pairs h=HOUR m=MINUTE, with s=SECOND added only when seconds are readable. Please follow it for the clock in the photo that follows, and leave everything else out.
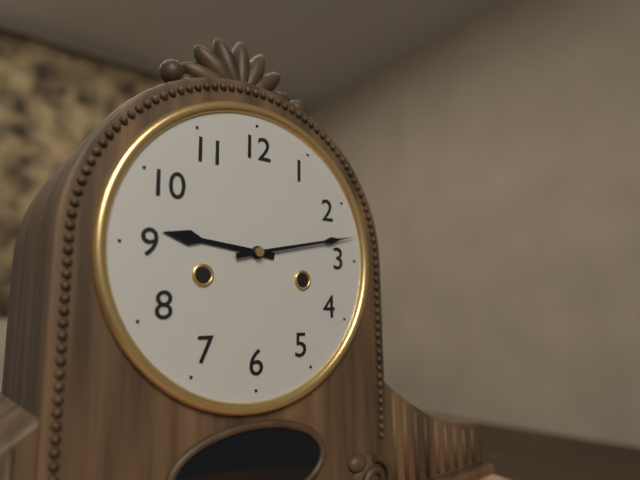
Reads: h=9 m=13
